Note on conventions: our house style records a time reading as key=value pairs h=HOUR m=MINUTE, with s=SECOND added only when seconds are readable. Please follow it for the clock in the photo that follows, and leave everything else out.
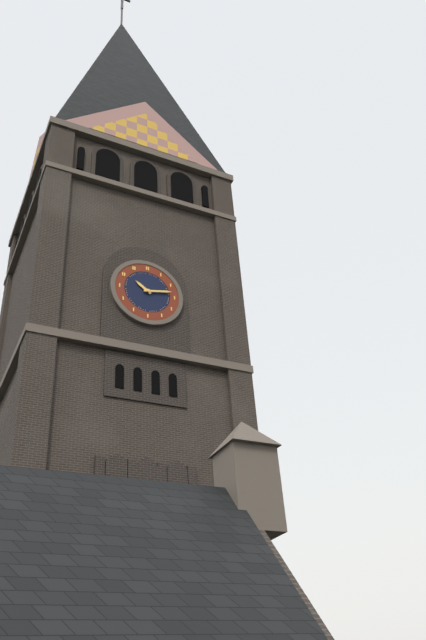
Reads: h=10 m=13
